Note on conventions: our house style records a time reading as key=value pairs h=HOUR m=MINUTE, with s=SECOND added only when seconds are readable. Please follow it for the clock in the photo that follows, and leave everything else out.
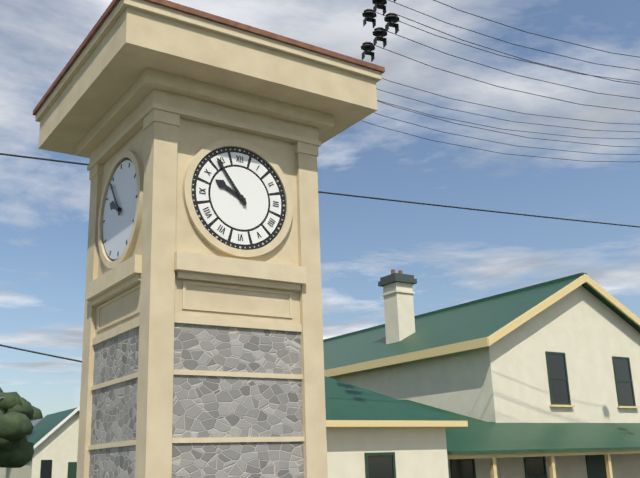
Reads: h=9 m=54
